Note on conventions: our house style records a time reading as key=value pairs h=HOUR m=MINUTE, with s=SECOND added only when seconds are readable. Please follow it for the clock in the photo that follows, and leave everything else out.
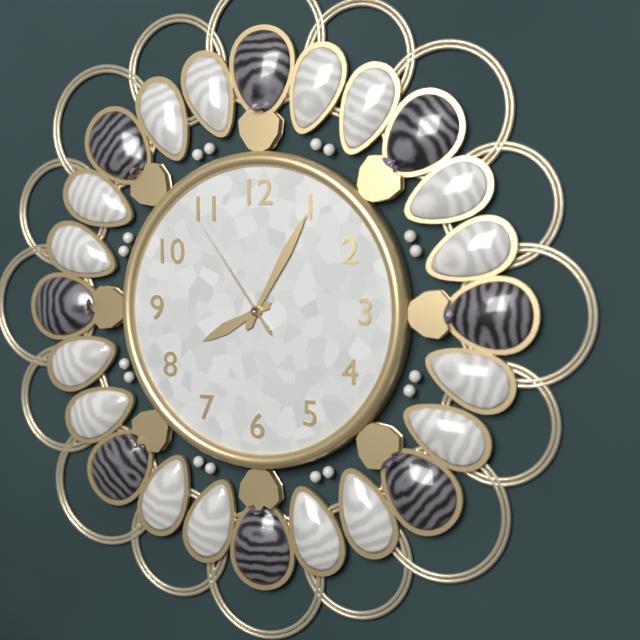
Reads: h=8 m=5 s=54
